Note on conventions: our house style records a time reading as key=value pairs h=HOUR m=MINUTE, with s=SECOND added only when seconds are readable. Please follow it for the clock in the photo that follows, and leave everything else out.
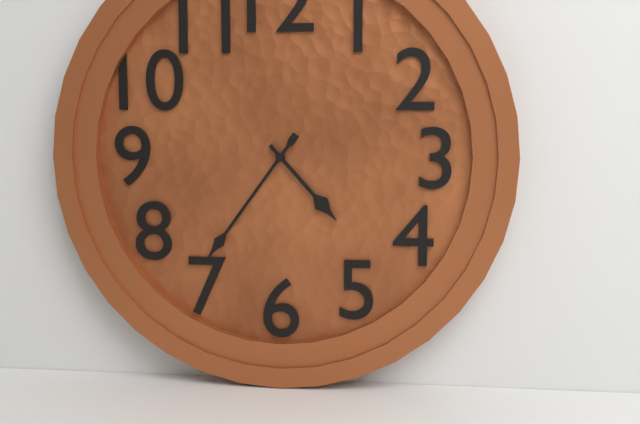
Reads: h=4 m=36
